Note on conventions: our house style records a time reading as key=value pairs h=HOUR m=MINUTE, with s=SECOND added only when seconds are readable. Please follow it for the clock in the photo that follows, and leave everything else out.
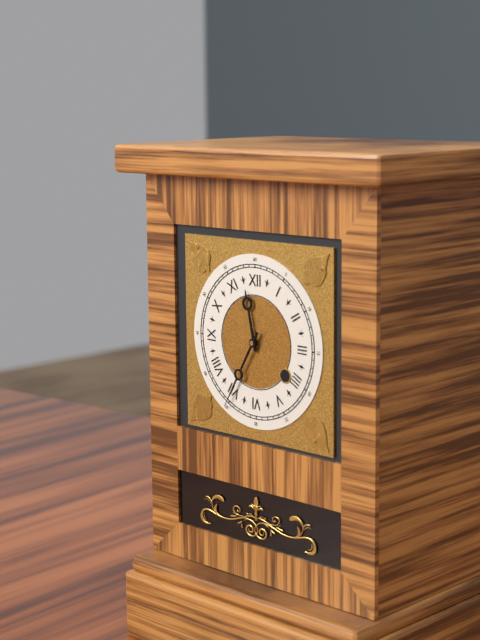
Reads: h=11 m=35
